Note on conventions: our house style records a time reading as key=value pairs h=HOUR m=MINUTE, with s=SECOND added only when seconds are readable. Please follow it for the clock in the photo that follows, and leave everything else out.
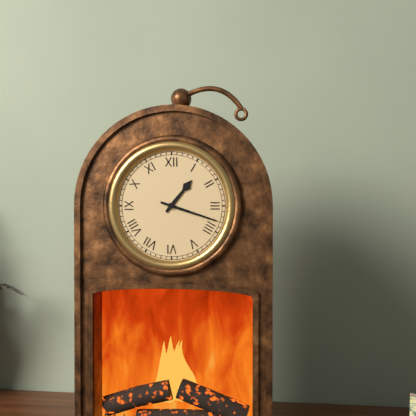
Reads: h=1 m=18
